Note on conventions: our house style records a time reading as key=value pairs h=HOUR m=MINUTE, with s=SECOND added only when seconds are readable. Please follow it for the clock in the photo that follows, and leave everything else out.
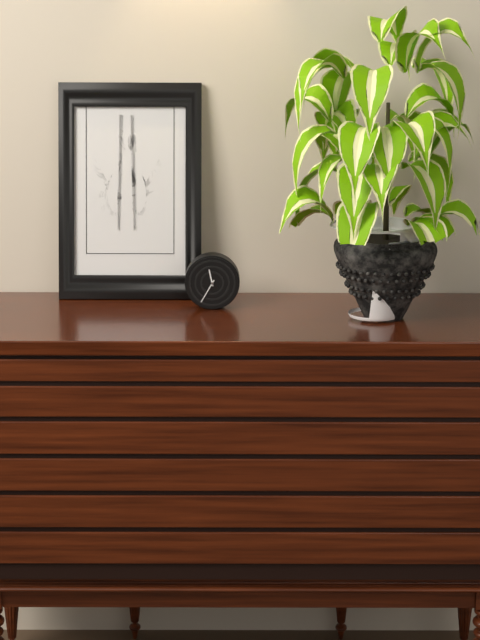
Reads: h=11 m=35
